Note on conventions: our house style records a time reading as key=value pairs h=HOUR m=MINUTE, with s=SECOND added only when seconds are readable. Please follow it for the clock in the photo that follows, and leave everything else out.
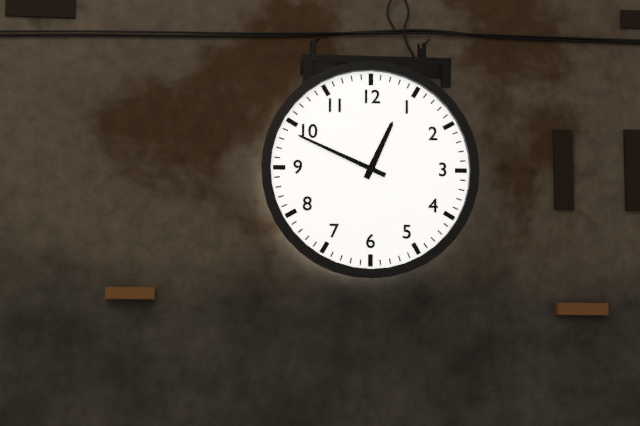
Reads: h=12 m=49
